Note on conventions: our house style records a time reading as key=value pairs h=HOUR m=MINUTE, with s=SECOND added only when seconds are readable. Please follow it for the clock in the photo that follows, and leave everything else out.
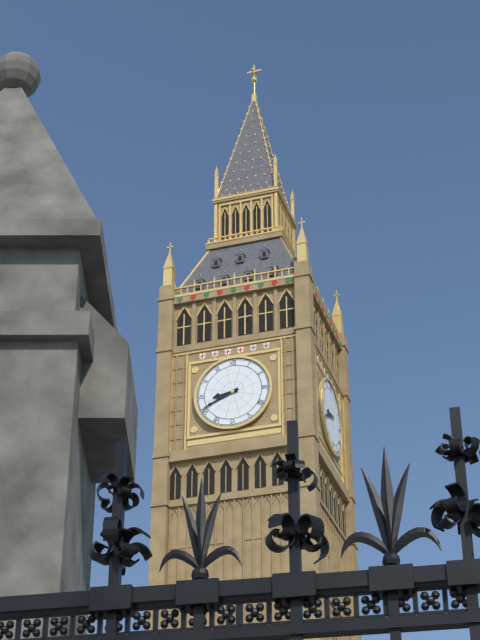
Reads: h=8 m=41
